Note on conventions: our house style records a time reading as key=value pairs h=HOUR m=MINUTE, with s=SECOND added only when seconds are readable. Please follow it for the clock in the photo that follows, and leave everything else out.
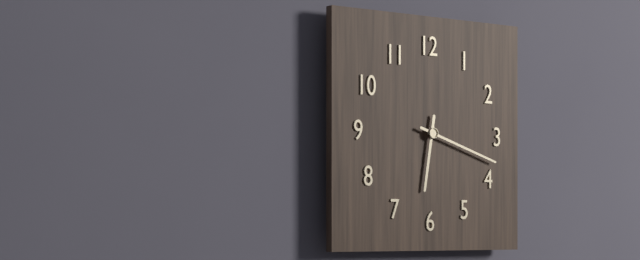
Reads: h=6 m=18
